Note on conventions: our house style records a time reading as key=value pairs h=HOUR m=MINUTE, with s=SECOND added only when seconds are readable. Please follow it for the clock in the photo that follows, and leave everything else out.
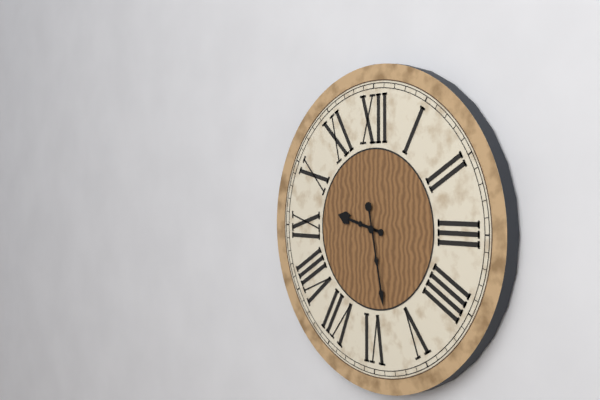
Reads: h=9 m=28
